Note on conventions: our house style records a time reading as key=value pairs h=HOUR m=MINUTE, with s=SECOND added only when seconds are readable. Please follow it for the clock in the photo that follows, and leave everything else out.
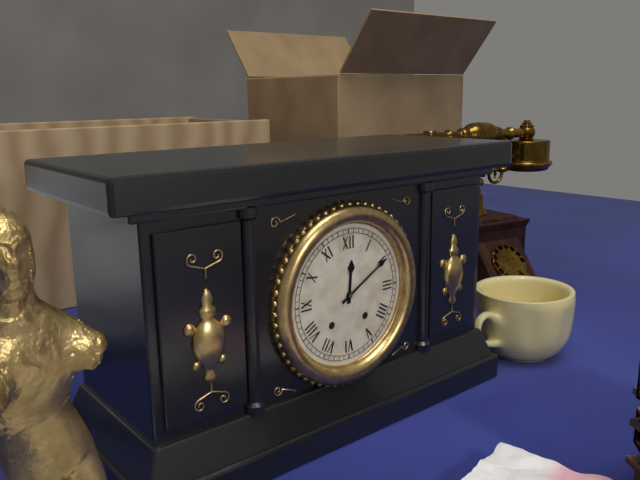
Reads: h=12 m=10
